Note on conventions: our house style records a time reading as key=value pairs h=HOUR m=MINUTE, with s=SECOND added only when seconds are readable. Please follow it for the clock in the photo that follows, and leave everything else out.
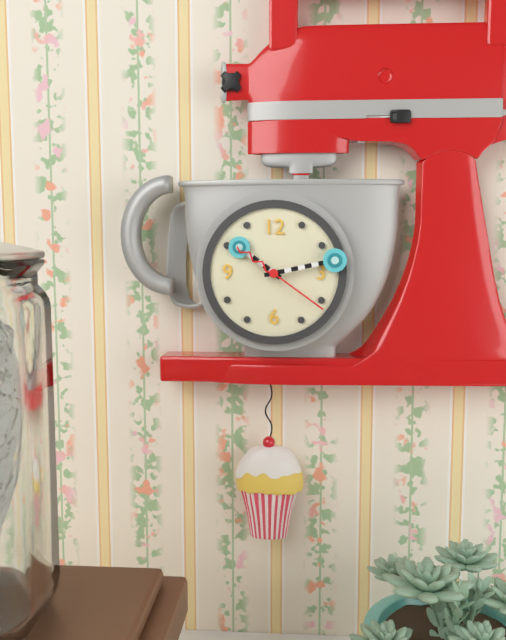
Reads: h=10 m=13 s=21
